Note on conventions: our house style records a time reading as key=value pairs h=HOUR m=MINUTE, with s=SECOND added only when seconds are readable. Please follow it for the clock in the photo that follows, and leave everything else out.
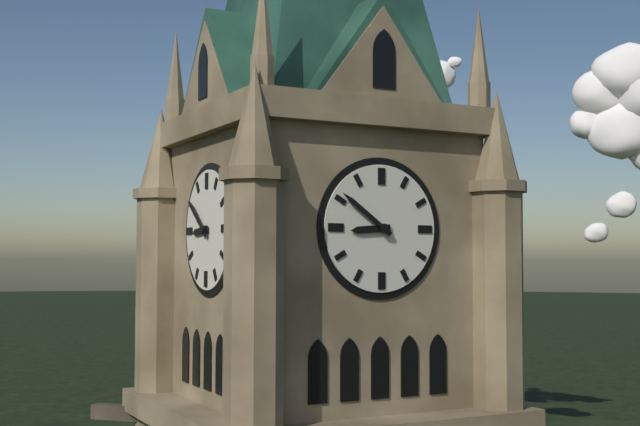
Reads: h=8 m=51
